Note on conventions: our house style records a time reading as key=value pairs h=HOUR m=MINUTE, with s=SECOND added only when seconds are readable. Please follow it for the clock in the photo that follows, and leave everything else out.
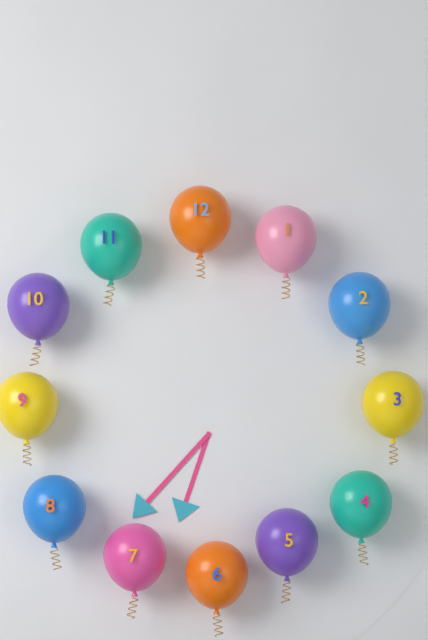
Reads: h=6 m=37
